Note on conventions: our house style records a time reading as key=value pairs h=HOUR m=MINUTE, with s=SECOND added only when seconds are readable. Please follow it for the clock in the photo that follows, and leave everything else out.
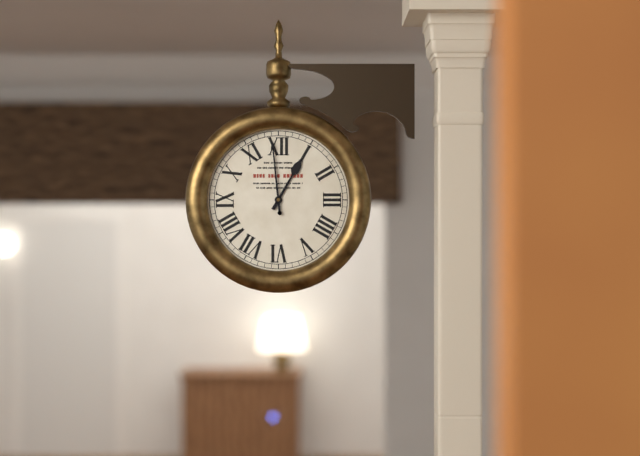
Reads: h=12 m=59
